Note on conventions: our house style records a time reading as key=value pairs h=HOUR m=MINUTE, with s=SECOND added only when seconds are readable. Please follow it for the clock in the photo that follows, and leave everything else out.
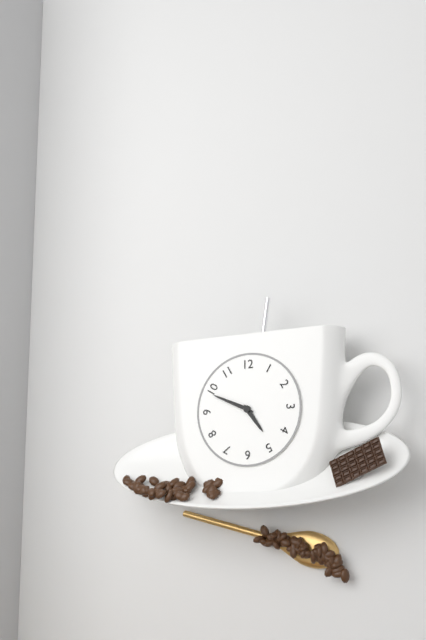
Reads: h=4 m=49
